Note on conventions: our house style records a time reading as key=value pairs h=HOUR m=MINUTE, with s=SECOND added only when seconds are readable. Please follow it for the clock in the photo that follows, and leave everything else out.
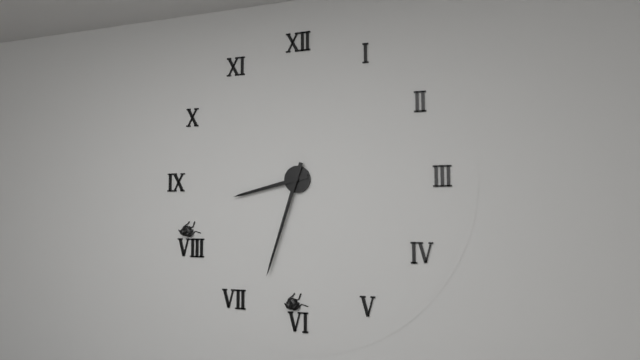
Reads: h=8 m=33
